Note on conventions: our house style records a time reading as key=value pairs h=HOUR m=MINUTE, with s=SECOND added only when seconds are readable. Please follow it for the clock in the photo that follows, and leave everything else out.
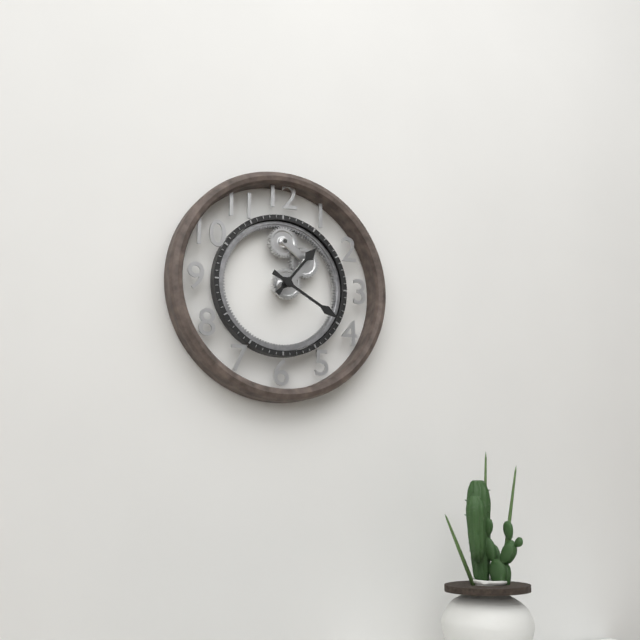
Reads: h=1 m=20
